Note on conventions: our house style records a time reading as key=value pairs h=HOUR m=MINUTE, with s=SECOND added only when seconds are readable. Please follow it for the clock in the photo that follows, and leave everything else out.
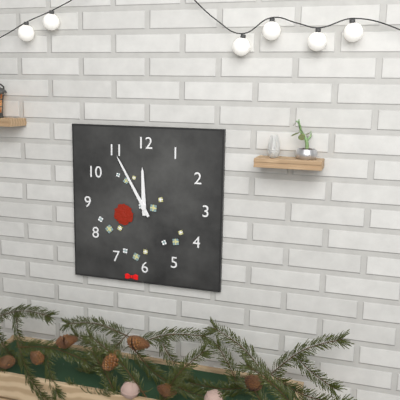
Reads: h=11 m=55
